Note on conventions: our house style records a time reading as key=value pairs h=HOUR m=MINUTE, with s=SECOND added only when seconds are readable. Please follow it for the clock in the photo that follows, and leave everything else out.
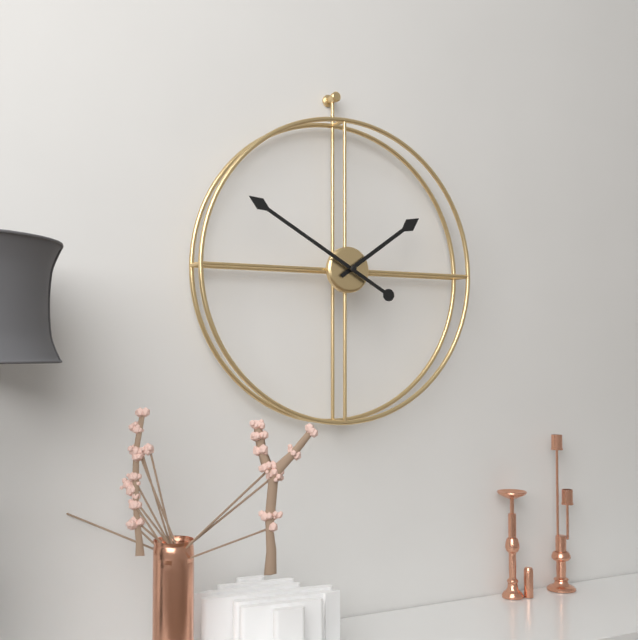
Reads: h=1 m=50
